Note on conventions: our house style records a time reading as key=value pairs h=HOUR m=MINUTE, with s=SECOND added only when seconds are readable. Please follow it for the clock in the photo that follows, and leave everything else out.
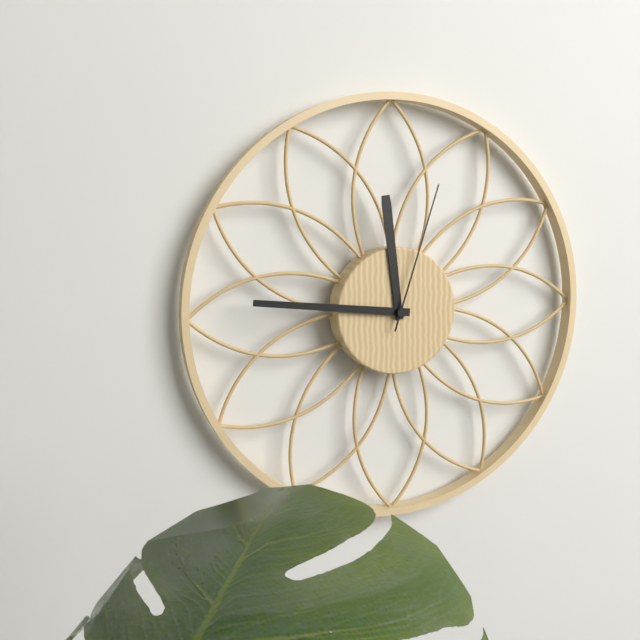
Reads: h=11 m=46 s=3
